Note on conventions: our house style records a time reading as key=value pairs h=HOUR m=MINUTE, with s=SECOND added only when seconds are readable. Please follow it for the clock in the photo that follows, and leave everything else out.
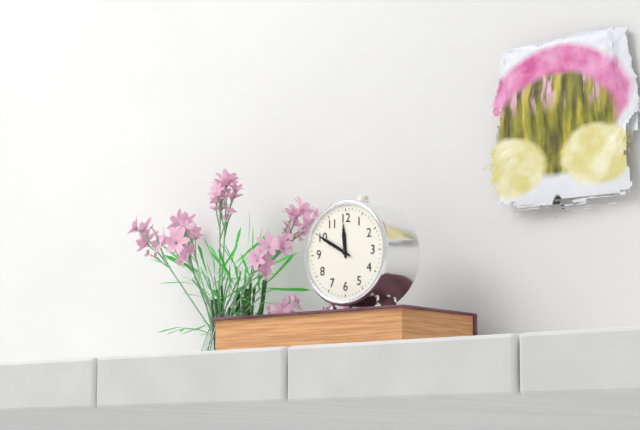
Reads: h=11 m=50
